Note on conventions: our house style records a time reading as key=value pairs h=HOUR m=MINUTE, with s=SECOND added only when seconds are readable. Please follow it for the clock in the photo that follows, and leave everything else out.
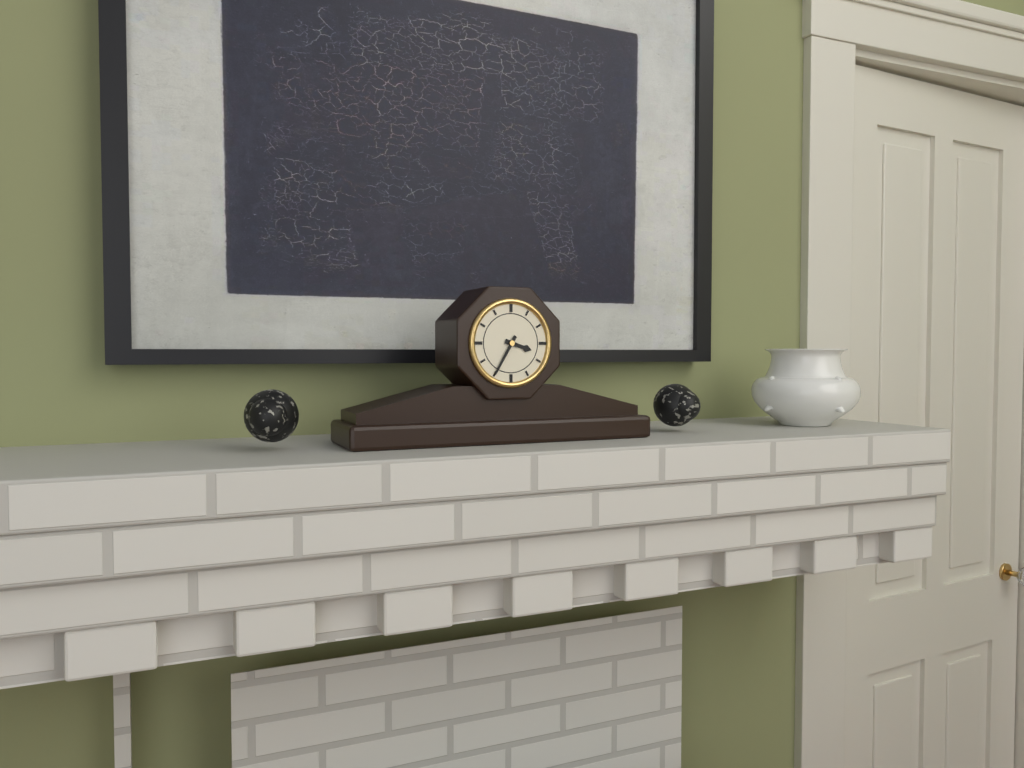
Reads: h=3 m=35
